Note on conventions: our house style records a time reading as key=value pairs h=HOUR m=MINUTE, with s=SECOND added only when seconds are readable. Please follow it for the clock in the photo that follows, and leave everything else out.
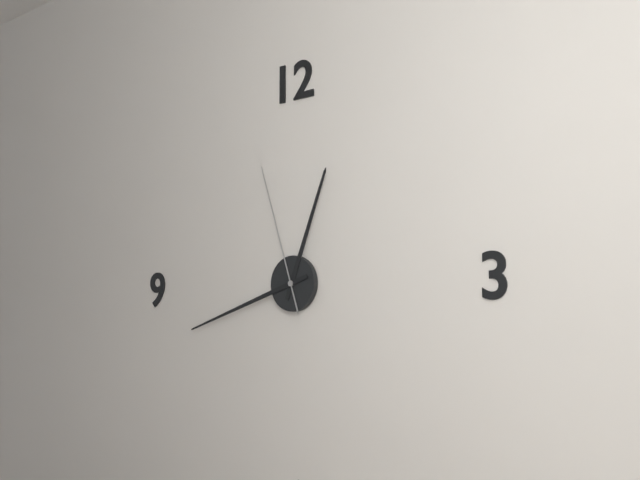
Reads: h=12 m=42 s=57
